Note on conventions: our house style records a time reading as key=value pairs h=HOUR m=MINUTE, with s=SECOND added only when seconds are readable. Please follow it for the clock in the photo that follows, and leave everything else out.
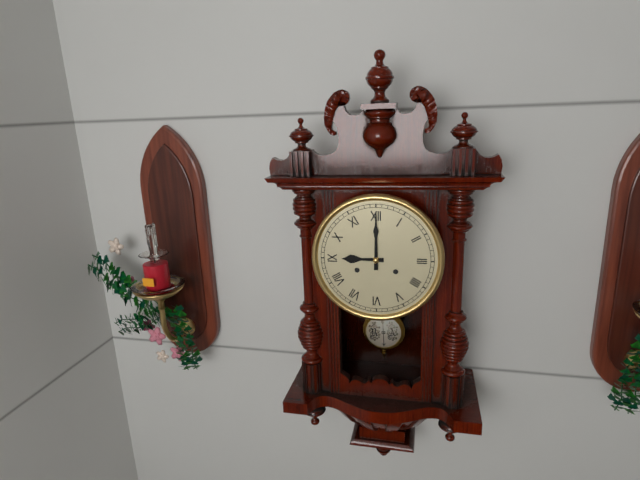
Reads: h=9 m=0
